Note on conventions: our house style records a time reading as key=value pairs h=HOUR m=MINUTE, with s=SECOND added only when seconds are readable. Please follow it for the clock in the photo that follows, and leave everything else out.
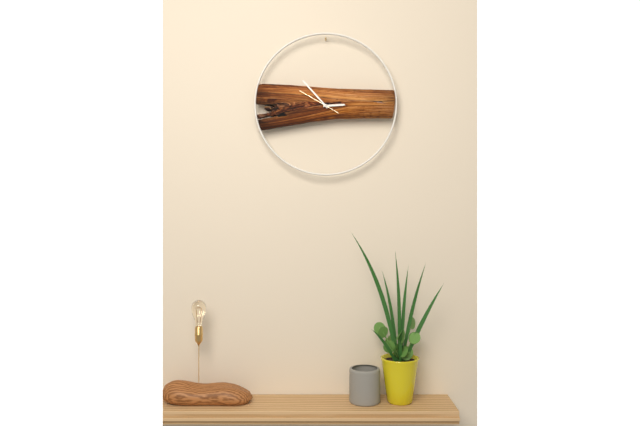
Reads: h=2 m=53
